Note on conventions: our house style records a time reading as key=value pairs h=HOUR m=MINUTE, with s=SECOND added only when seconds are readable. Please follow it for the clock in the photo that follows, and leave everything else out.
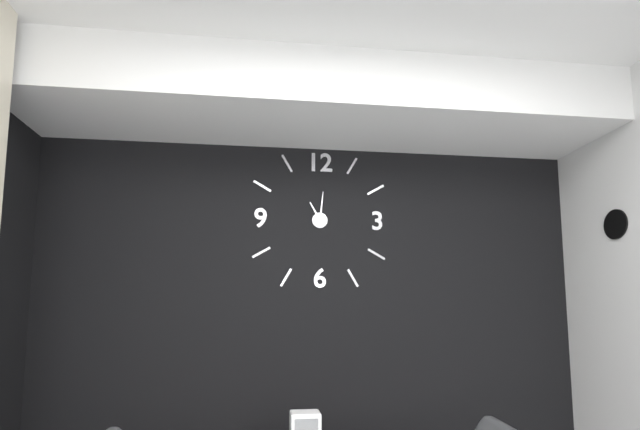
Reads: h=11 m=1
